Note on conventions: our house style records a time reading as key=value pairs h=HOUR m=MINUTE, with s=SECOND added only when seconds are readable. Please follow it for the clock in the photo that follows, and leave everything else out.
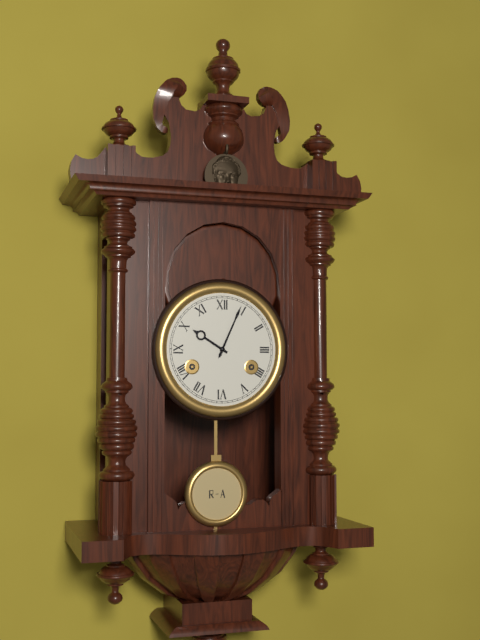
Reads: h=10 m=4
